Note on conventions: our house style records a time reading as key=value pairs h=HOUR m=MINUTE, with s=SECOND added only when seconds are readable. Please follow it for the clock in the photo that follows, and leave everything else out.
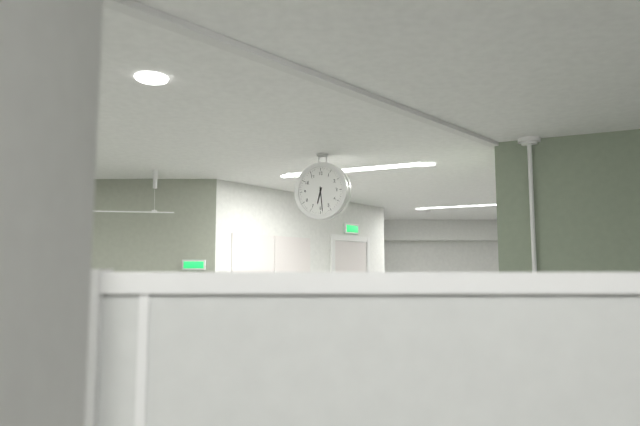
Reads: h=6 m=29
